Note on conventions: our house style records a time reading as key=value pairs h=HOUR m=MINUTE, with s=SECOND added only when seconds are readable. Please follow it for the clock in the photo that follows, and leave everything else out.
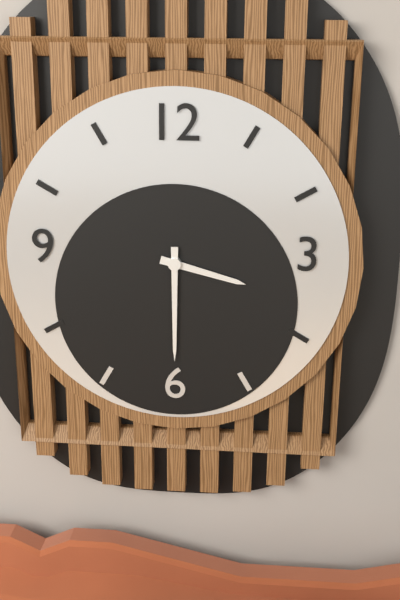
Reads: h=3 m=30
